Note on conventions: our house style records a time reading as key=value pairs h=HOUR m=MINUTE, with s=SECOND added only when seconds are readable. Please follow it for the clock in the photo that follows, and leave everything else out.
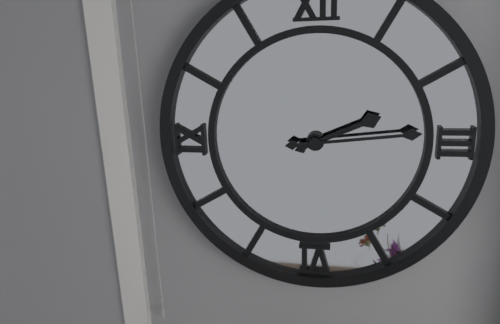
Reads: h=2 m=14
